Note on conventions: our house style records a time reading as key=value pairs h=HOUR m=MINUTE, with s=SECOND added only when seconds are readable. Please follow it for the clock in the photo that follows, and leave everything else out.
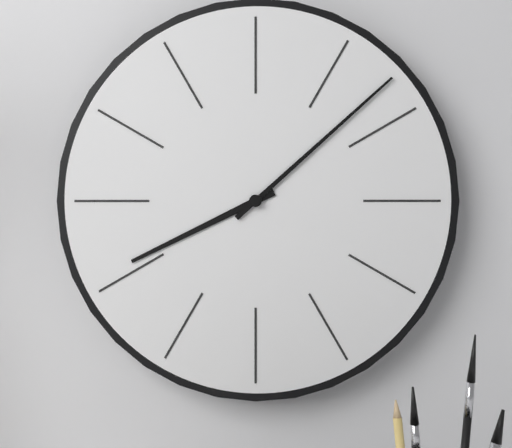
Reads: h=8 m=8
